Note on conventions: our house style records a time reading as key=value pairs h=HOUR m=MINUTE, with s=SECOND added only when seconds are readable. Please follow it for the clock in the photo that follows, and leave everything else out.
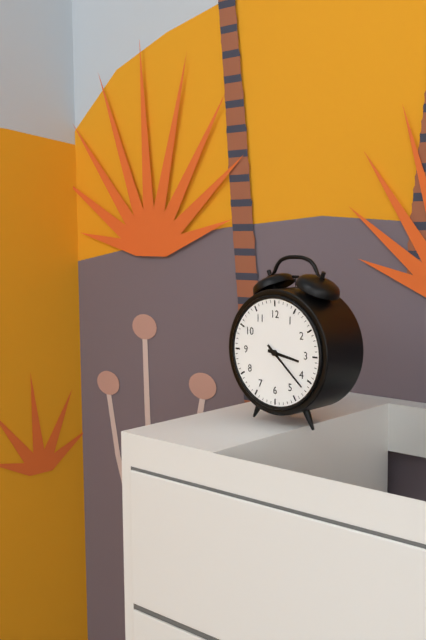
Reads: h=3 m=22
